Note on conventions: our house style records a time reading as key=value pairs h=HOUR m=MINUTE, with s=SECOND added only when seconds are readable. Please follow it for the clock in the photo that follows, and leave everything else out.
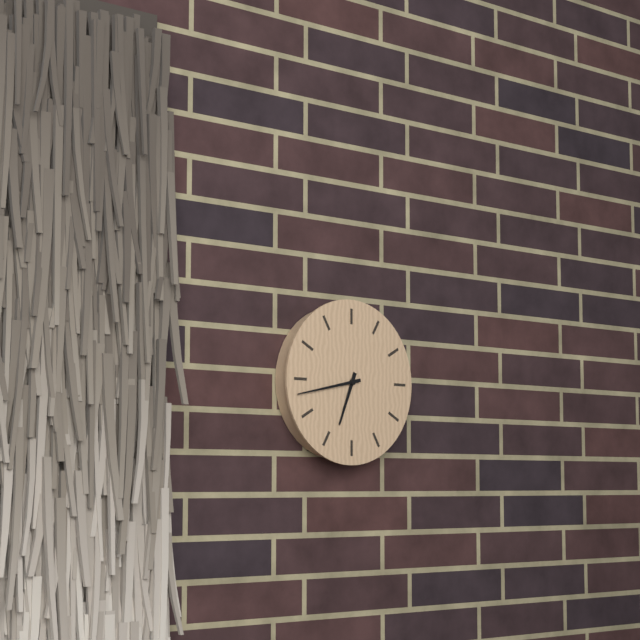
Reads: h=6 m=43
